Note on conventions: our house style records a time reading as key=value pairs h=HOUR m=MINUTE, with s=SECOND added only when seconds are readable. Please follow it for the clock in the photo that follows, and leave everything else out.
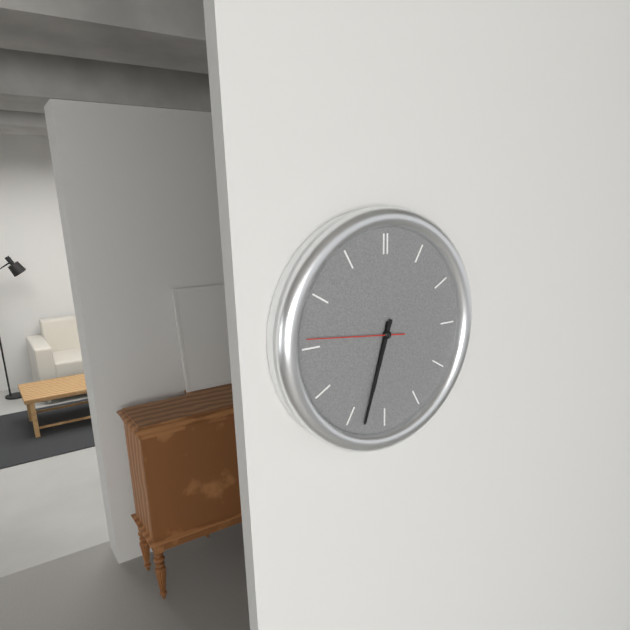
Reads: h=6 m=33 s=46
